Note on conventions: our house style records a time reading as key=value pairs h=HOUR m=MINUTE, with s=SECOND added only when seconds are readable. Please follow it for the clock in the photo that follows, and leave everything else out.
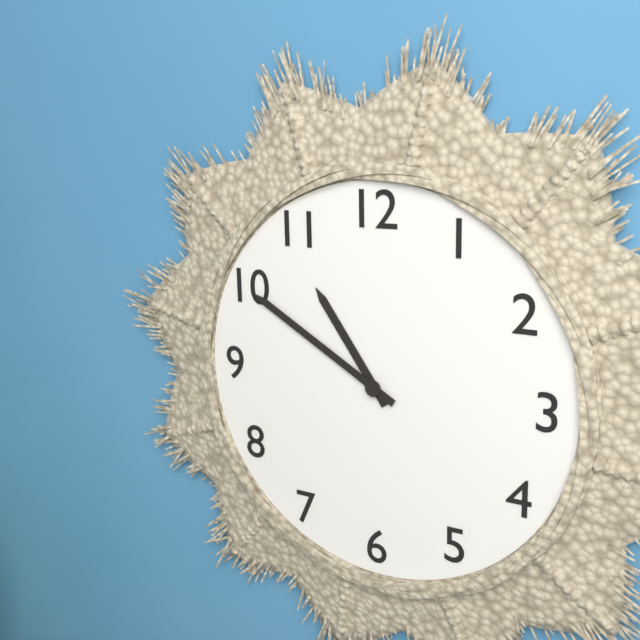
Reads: h=10 m=50
